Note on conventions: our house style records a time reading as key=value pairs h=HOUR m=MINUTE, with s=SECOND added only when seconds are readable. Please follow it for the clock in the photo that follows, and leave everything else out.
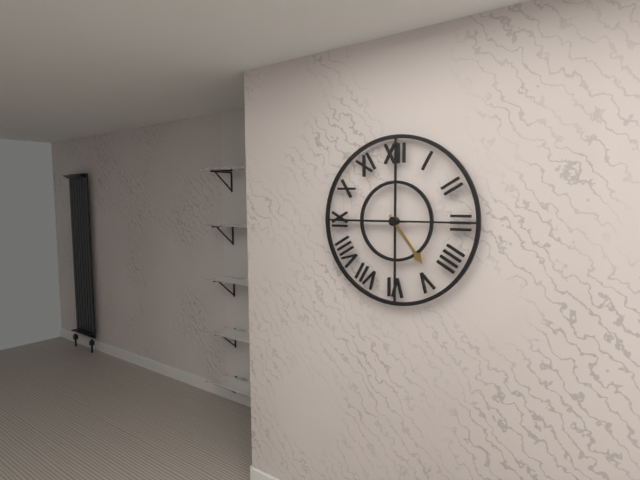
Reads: h=4 m=45
